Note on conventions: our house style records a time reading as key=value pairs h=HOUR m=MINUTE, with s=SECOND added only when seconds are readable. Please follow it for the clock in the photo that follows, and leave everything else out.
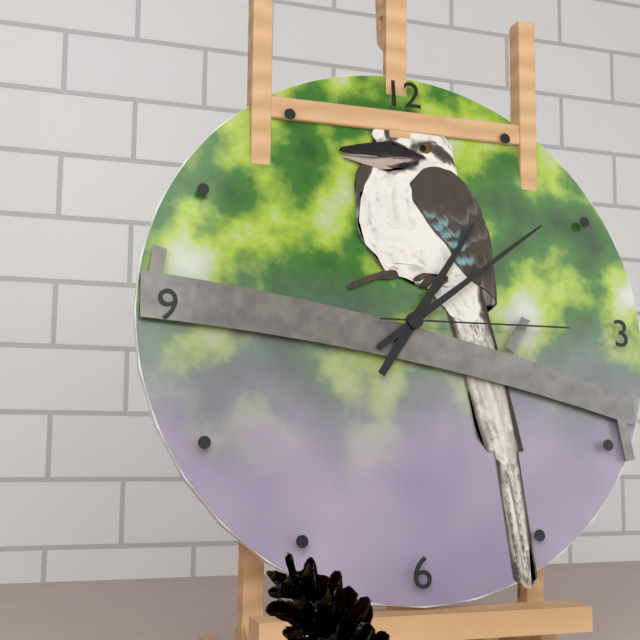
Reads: h=1 m=9 s=15
